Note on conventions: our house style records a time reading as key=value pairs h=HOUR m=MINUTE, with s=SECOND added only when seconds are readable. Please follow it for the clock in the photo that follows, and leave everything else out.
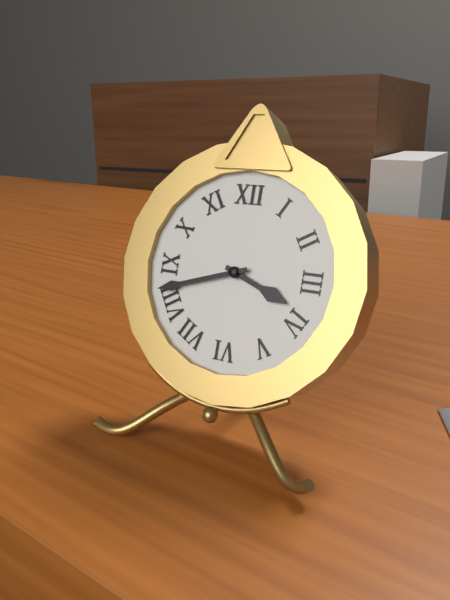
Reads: h=3 m=42
